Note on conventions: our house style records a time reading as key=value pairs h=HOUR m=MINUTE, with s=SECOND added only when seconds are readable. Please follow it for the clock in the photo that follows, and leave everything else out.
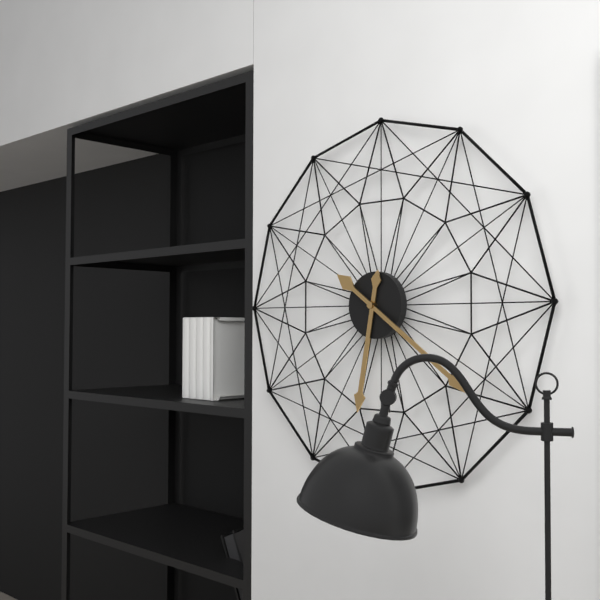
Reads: h=6 m=21
